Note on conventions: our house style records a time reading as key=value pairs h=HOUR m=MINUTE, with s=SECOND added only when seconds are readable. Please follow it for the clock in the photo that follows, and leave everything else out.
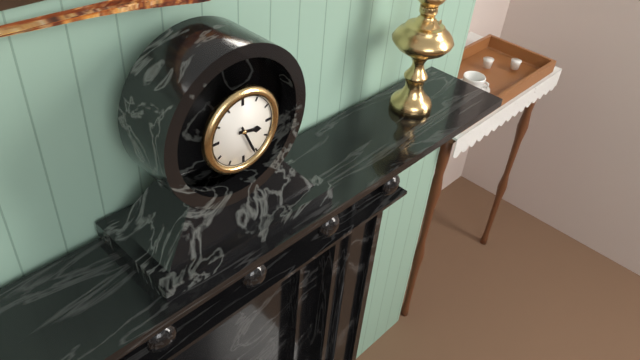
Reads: h=3 m=26
